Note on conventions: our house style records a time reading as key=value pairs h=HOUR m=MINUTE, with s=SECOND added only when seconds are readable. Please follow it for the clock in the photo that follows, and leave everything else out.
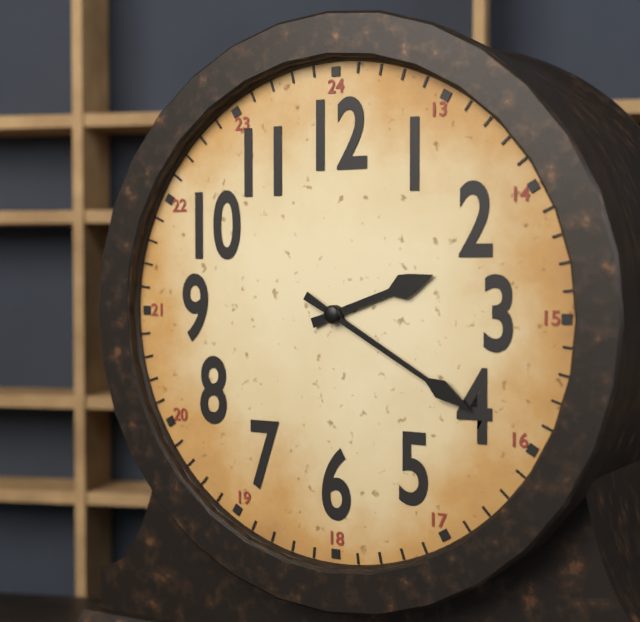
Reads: h=2 m=20
